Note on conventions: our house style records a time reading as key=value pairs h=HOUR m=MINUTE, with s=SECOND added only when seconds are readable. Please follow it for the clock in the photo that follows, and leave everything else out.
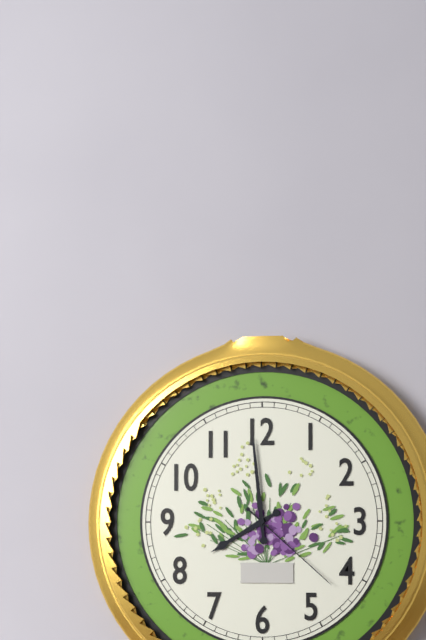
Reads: h=7 m=59 s=22
